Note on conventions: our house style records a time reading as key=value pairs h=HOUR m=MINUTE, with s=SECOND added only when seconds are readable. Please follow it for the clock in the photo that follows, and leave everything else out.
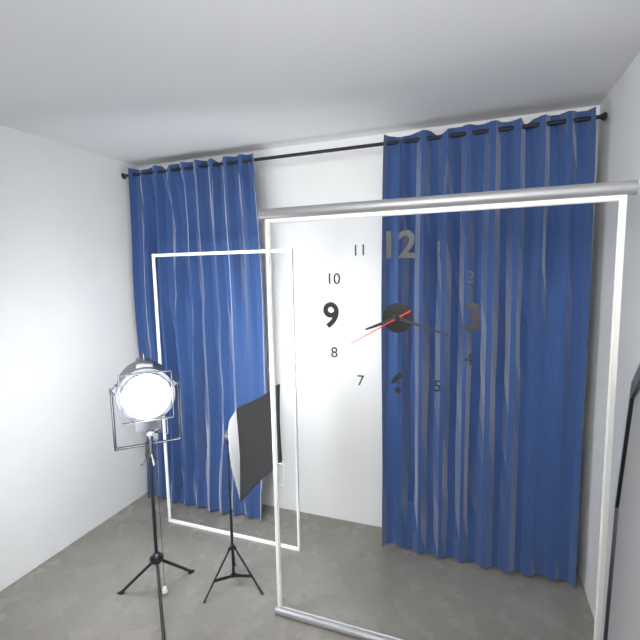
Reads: h=8 m=18 s=40
